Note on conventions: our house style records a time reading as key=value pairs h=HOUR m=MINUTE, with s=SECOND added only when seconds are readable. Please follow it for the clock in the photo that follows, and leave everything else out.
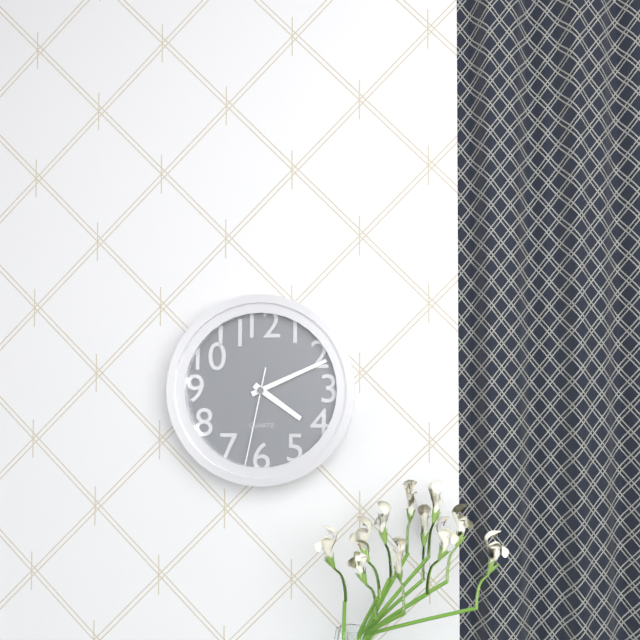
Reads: h=4 m=11 s=32
